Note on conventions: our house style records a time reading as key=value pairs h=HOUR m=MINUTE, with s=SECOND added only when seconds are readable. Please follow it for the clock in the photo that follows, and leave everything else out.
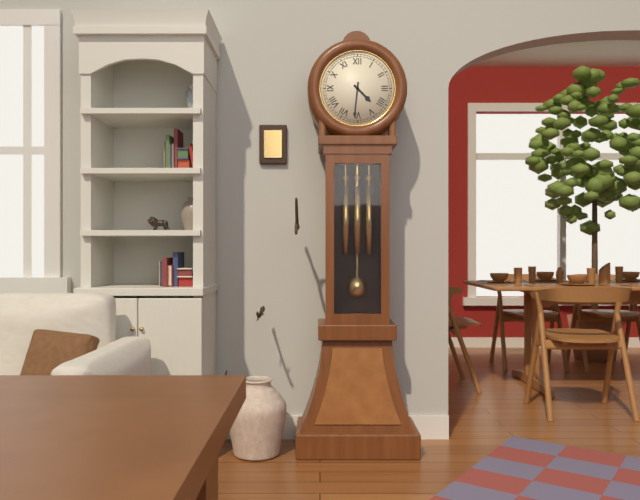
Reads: h=4 m=31
